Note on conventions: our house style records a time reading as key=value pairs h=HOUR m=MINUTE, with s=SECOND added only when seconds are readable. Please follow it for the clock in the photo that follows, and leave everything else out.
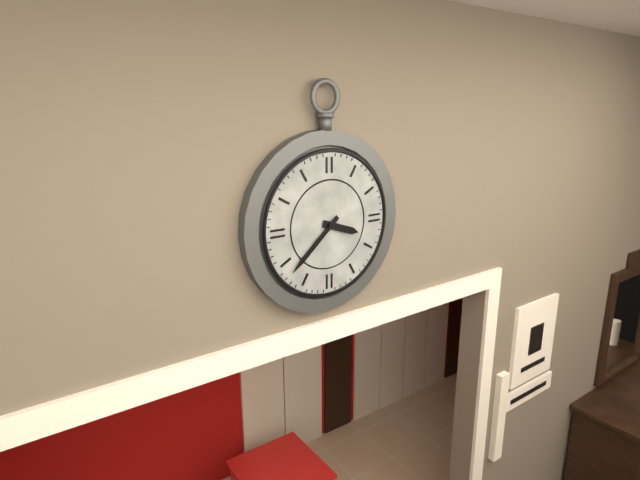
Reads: h=3 m=38
